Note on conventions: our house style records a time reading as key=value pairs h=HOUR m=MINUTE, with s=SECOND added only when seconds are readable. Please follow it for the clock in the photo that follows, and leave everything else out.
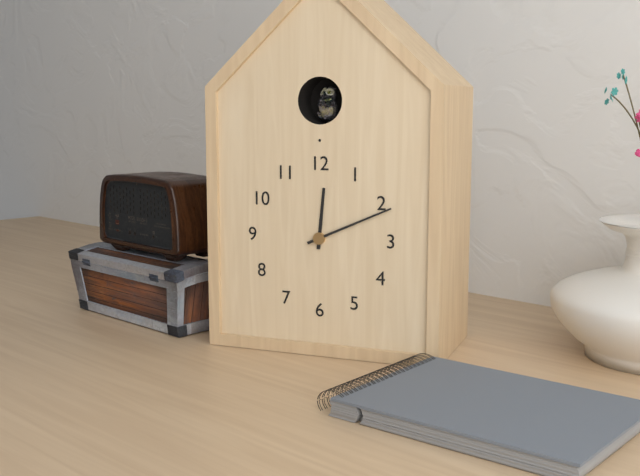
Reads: h=12 m=11
